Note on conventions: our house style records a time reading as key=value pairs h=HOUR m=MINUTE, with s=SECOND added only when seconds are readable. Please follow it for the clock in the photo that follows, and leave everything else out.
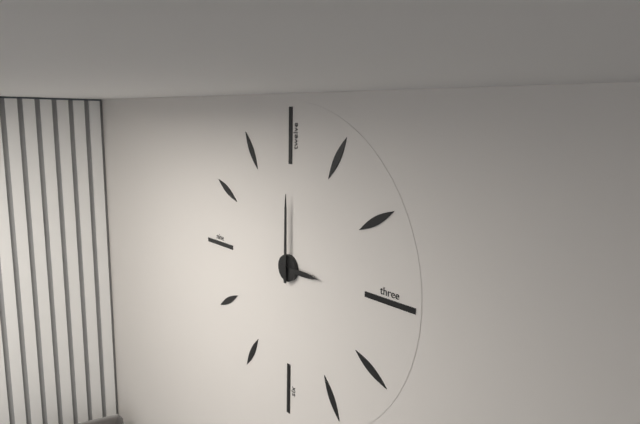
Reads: h=3 m=0
